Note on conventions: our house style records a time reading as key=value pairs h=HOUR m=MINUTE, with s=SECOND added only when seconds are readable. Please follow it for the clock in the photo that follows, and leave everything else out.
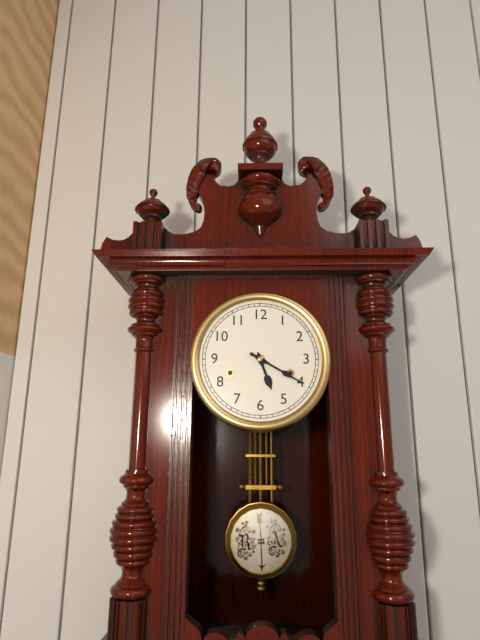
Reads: h=5 m=20
